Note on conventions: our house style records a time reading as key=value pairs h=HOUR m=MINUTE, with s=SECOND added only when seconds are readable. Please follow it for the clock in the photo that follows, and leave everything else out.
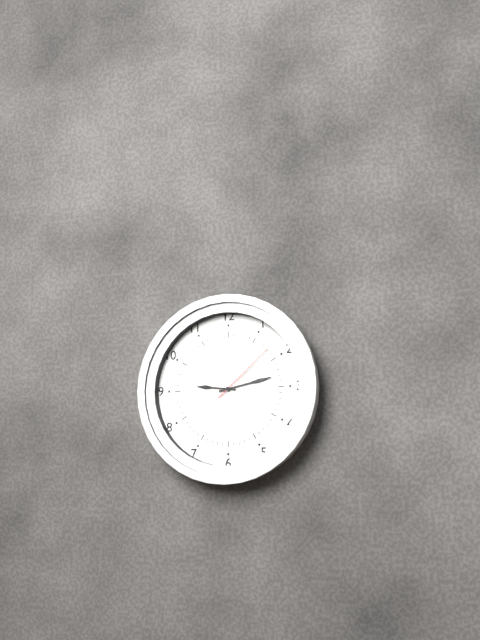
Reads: h=9 m=13 s=8
